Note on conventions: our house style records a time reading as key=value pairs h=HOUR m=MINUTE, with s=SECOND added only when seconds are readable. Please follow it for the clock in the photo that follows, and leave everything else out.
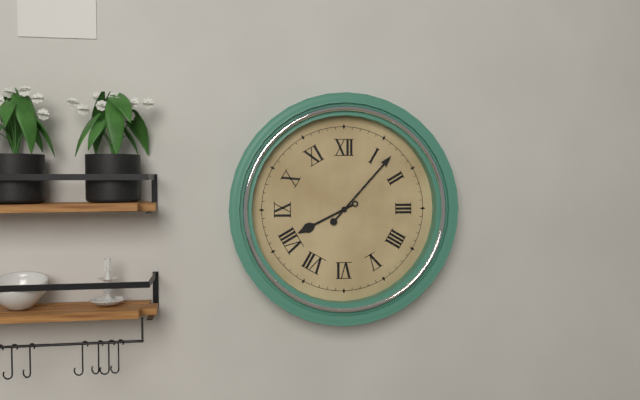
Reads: h=8 m=7
